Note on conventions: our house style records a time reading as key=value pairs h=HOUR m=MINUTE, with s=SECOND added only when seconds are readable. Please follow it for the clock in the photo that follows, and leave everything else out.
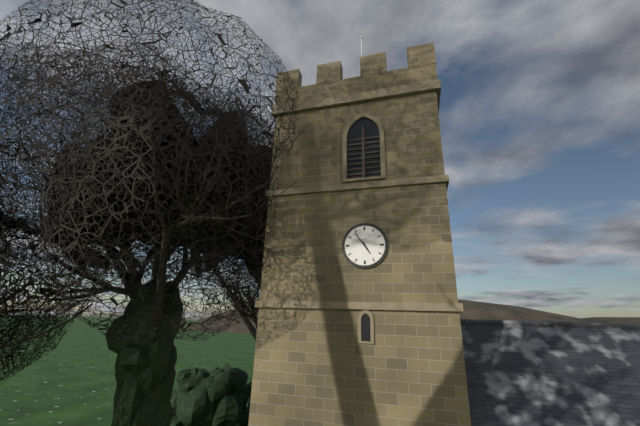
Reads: h=4 m=54
